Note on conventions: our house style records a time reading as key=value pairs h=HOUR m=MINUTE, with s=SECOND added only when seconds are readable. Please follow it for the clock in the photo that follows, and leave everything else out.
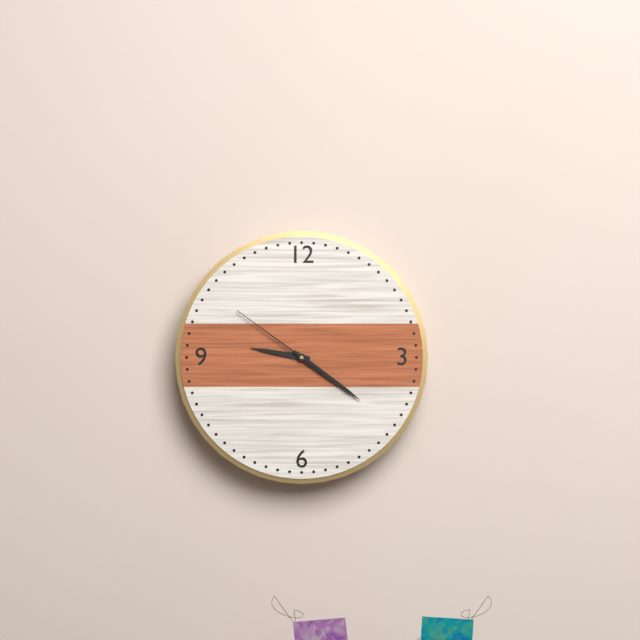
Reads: h=9 m=21 s=51
